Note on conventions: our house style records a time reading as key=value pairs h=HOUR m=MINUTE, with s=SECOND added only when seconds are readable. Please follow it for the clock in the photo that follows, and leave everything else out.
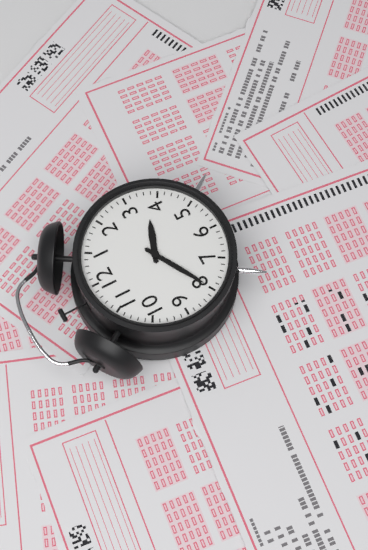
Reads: h=3 m=40
